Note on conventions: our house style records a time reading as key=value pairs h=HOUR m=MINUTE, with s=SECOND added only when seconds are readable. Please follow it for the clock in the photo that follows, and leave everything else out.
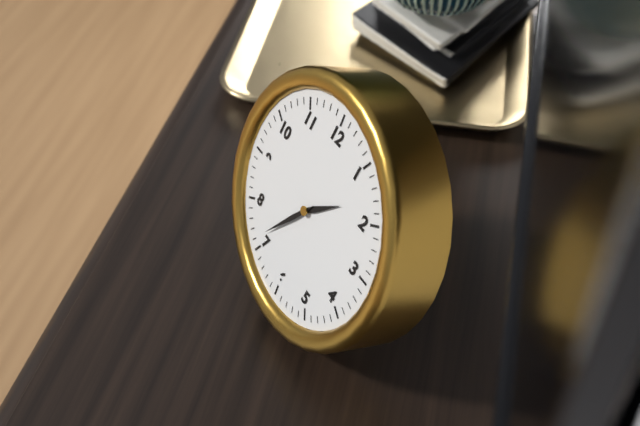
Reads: h=1 m=36
